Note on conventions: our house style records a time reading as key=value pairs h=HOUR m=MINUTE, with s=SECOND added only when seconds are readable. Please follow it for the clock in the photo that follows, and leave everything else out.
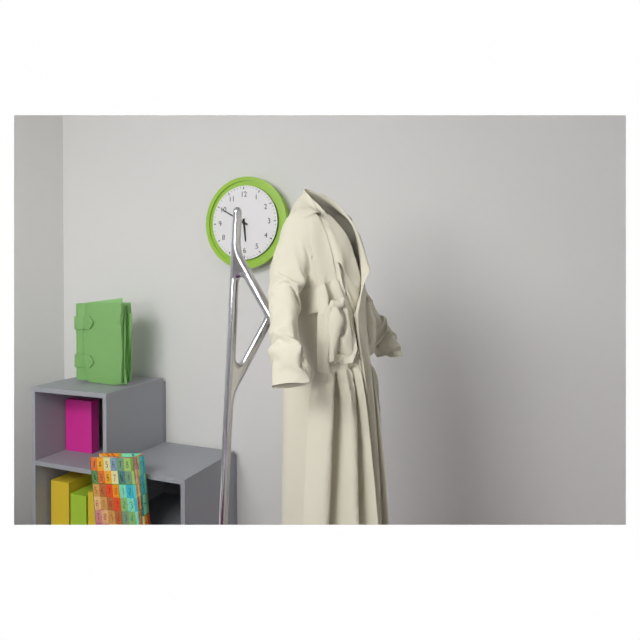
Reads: h=5 m=50
